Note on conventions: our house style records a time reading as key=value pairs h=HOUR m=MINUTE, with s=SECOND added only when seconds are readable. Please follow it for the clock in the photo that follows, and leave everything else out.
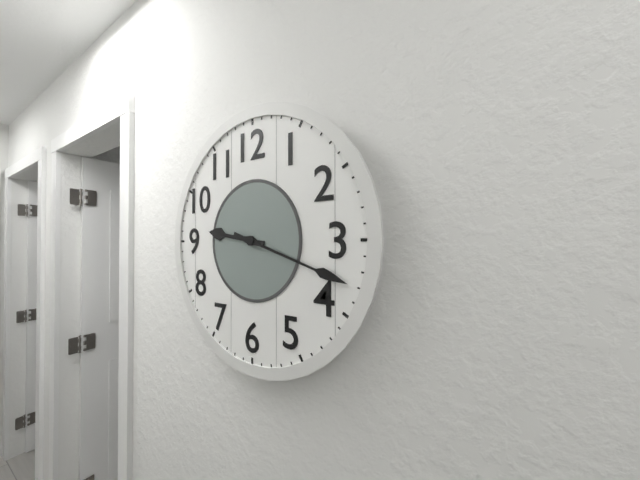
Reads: h=9 m=18
